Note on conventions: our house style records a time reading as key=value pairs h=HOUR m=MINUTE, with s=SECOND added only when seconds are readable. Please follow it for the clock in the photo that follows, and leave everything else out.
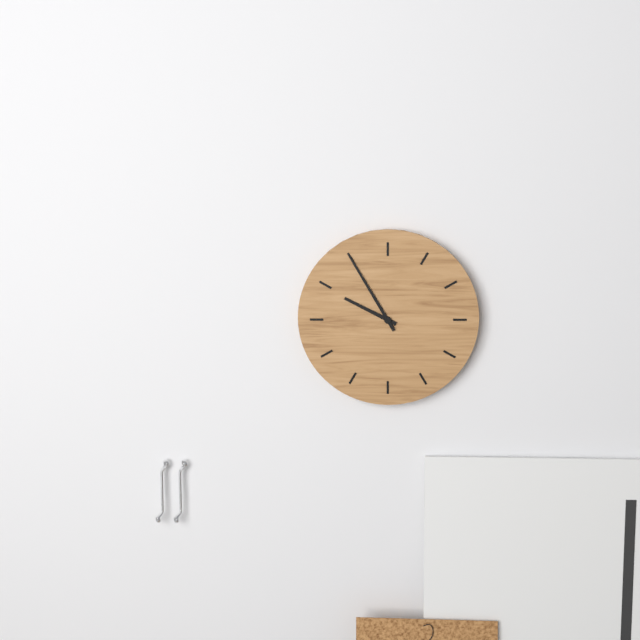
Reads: h=9 m=55
